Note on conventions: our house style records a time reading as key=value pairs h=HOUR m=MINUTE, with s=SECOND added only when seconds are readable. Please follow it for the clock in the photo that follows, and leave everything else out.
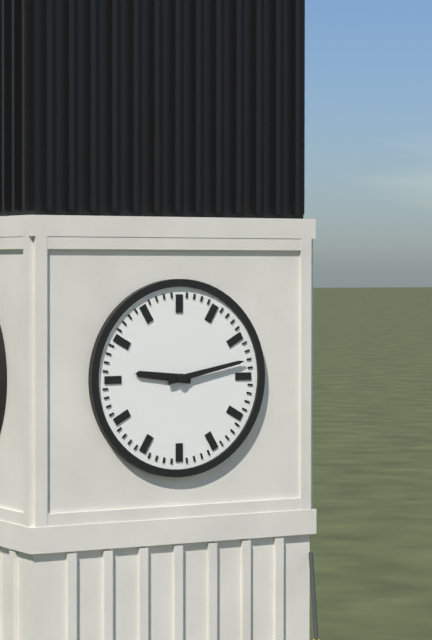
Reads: h=9 m=13
